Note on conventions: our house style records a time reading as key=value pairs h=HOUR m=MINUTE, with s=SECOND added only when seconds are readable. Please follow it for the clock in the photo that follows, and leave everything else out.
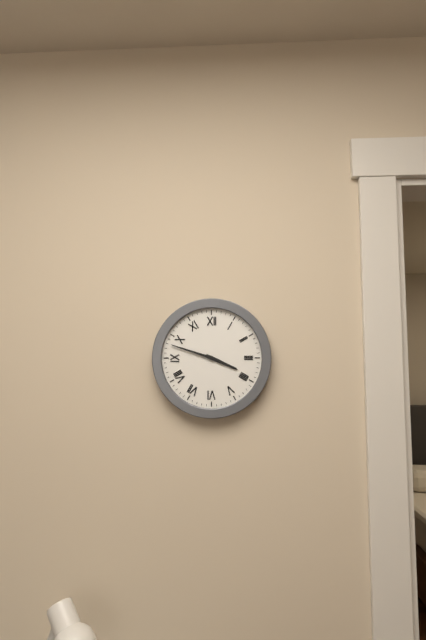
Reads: h=3 m=48
